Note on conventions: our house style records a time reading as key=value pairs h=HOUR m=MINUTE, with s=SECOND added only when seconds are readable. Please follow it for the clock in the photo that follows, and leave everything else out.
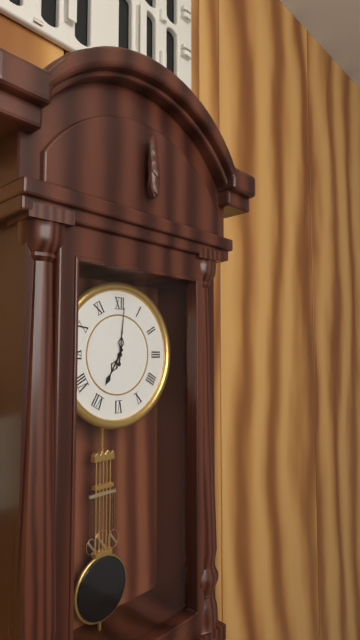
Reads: h=7 m=1
